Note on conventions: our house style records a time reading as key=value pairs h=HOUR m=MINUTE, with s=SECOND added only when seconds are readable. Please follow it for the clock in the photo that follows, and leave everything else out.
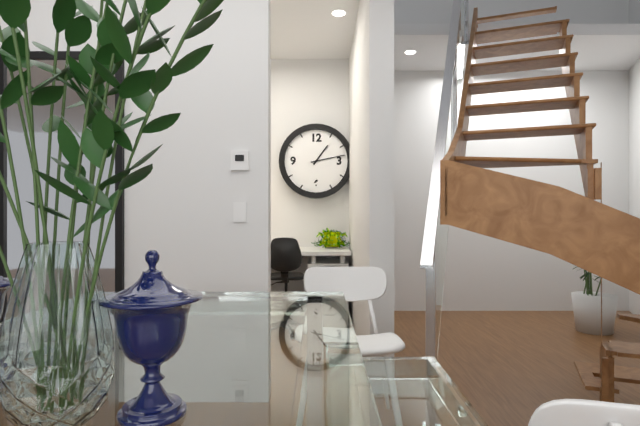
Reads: h=1 m=13
